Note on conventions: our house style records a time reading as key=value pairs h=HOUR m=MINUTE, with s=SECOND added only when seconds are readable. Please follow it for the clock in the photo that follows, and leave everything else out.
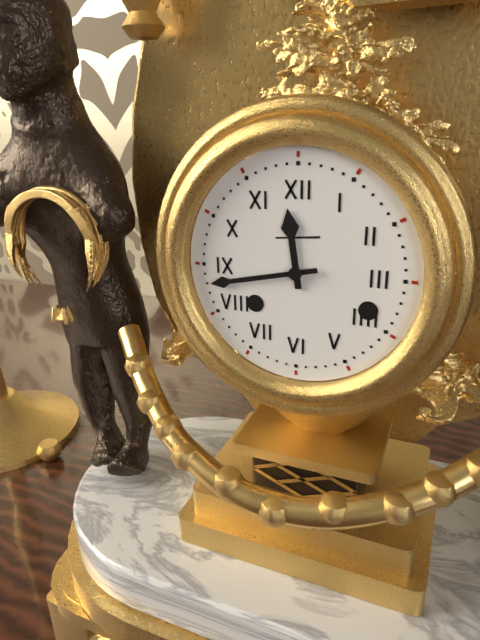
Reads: h=11 m=43
